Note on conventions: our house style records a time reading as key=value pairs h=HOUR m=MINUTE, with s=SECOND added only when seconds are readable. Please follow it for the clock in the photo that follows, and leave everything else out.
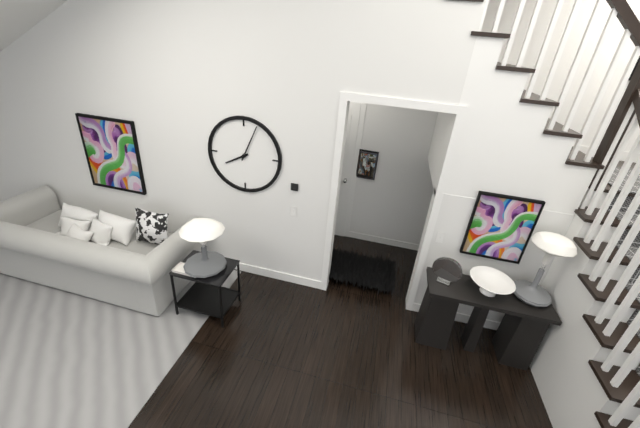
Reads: h=8 m=4
